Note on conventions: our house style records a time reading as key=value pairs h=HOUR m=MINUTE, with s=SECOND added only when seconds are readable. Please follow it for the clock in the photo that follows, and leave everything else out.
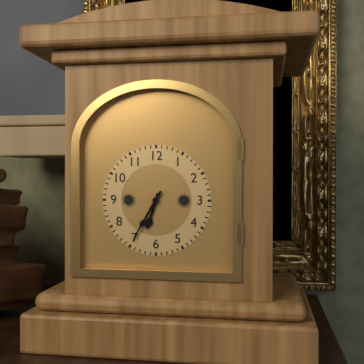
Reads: h=6 m=35
